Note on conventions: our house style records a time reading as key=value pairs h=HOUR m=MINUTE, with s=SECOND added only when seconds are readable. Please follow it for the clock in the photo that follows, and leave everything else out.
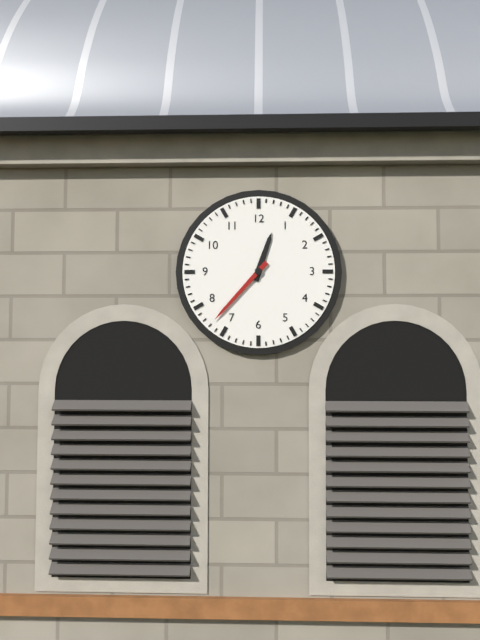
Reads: h=12 m=37
